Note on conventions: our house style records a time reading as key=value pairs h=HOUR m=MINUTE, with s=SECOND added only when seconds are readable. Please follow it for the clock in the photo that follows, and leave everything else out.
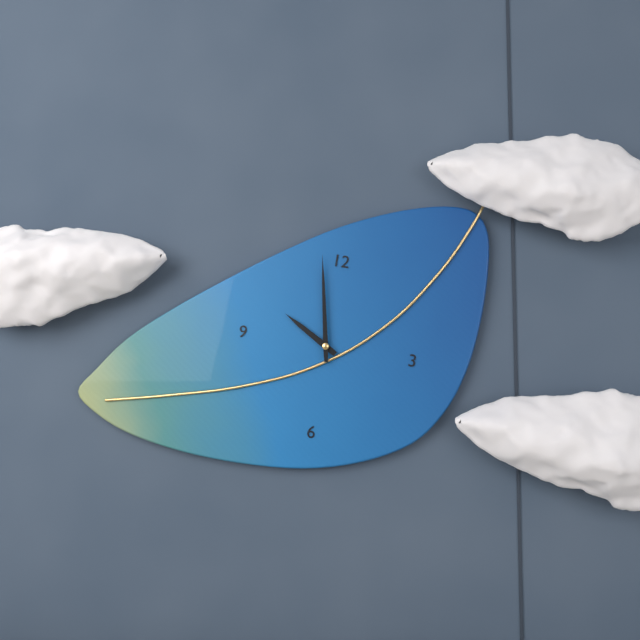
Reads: h=9 m=58
